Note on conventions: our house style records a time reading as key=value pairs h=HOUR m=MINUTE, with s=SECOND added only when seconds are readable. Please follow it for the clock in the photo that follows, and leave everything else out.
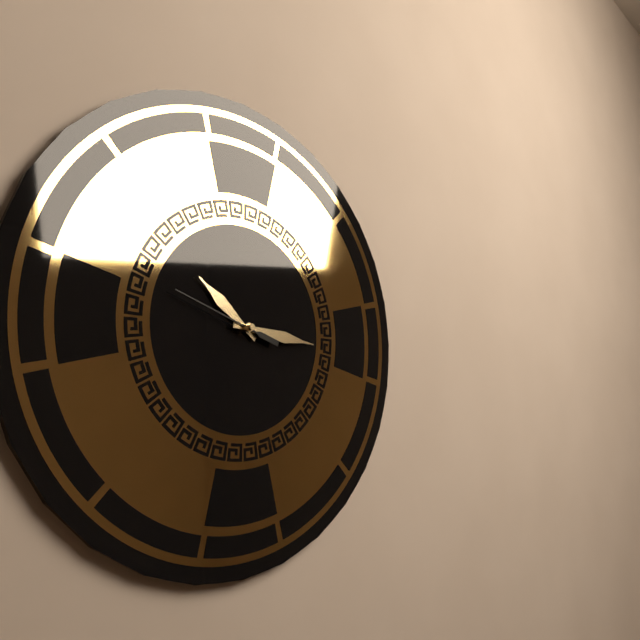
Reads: h=10 m=16 s=48
